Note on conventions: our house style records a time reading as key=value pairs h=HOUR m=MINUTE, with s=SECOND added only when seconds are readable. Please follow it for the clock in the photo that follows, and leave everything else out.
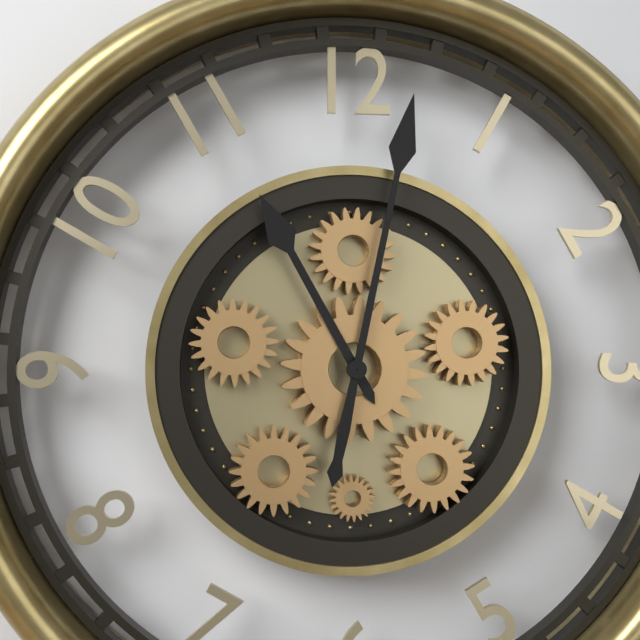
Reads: h=11 m=2
